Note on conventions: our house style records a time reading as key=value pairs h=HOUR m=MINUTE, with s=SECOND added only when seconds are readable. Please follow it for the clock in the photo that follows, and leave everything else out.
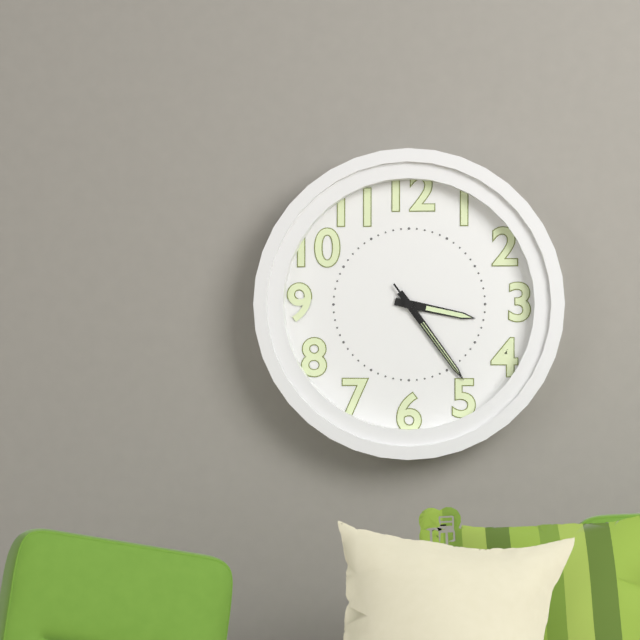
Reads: h=3 m=24 s=24
